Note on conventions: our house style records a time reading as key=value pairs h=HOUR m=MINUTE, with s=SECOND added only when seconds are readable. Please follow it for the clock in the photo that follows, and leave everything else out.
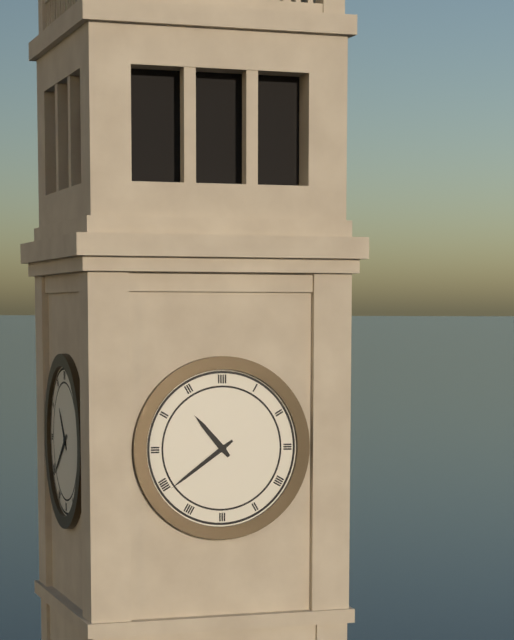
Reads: h=10 m=39
